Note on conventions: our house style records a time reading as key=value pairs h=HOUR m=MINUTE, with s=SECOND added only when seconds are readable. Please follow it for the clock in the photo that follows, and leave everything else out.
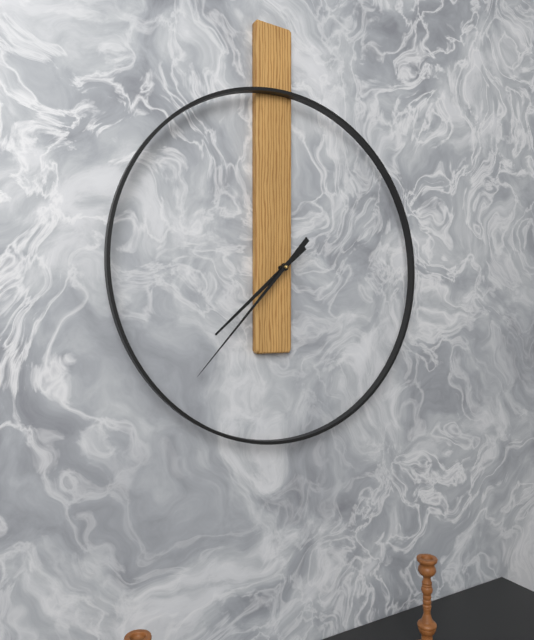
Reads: h=7 m=37
